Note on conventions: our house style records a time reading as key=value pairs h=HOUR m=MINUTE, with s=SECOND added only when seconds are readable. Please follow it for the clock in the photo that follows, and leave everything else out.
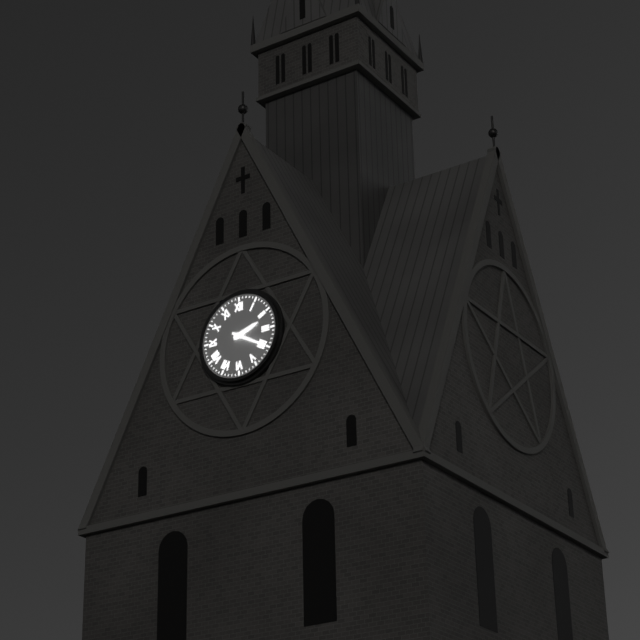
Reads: h=2 m=20
